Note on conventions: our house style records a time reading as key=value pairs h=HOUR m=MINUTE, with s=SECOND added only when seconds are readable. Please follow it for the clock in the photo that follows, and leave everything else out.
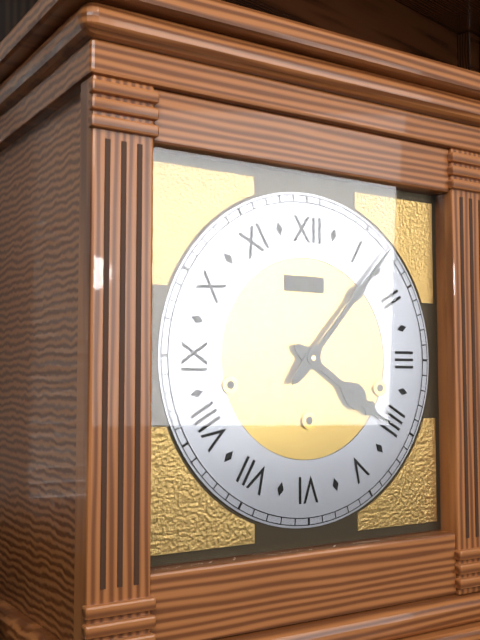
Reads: h=4 m=7
